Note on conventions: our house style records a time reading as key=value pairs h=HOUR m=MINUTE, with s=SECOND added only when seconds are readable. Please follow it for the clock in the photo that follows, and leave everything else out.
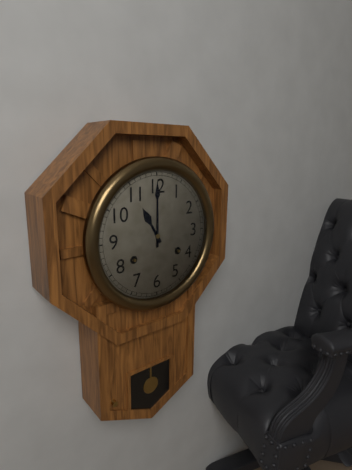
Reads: h=11 m=0
